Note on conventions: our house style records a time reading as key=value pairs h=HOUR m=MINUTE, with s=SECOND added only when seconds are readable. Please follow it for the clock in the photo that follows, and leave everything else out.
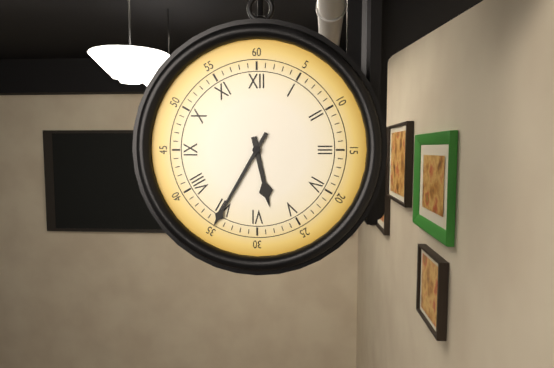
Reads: h=5 m=35
